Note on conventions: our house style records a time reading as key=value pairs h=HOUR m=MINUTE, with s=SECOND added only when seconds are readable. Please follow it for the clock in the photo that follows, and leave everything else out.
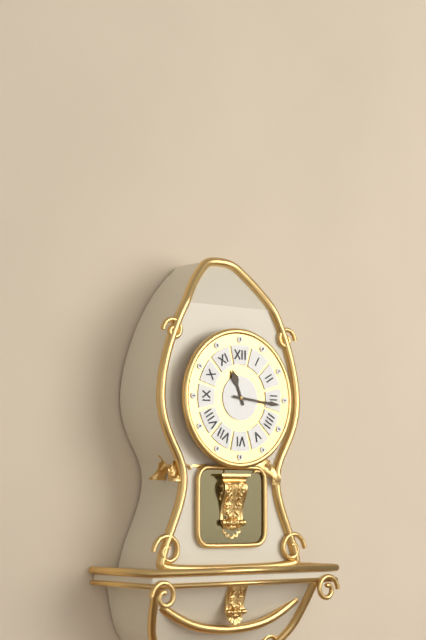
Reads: h=11 m=16
